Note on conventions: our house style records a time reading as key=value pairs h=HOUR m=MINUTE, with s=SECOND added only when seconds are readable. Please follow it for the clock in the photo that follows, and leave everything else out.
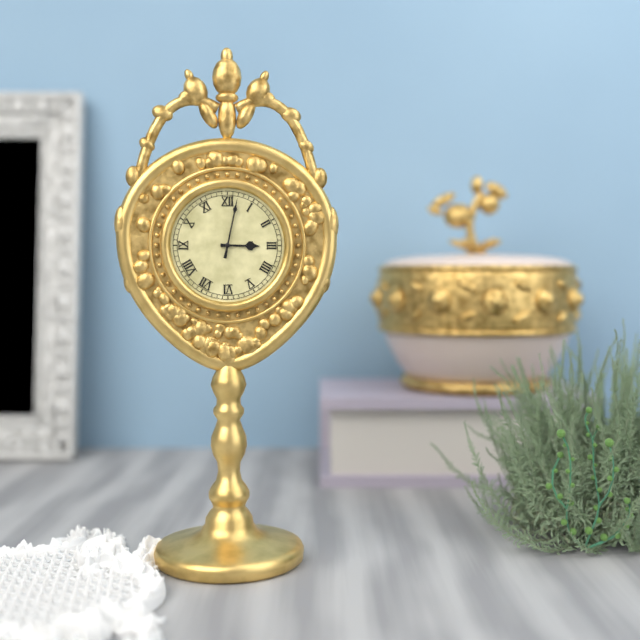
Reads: h=3 m=2
